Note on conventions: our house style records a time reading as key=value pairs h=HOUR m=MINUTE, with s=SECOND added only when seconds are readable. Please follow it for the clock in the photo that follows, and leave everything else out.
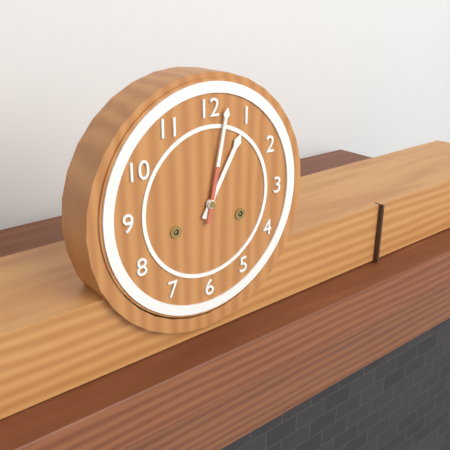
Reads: h=1 m=2
